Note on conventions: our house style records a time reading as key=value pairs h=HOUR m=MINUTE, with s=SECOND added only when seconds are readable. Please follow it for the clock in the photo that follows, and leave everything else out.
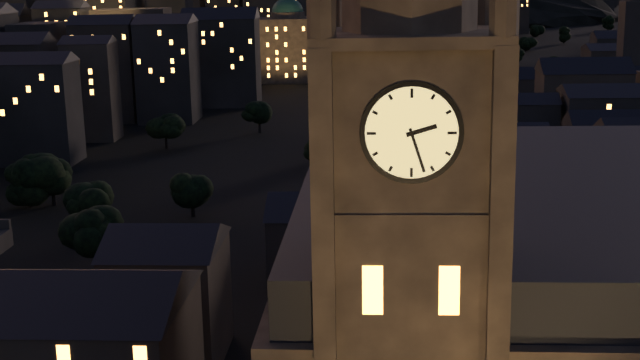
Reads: h=2 m=27
